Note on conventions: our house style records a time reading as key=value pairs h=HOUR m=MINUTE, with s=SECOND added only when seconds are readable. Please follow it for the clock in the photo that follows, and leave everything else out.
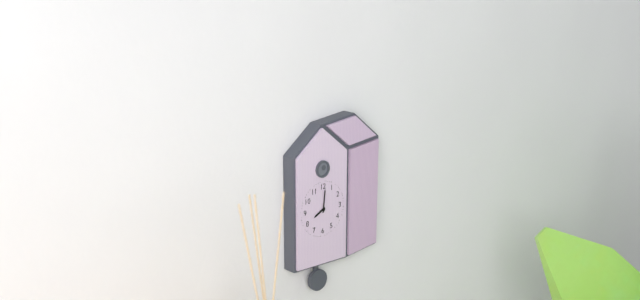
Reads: h=8 m=1
